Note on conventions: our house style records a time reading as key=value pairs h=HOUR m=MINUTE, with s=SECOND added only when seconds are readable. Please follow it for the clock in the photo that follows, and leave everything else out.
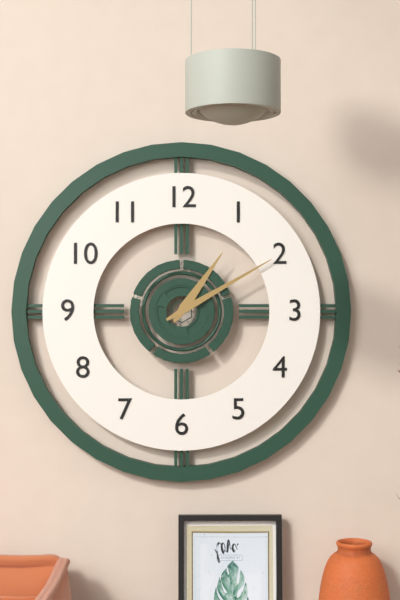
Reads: h=1 m=10
